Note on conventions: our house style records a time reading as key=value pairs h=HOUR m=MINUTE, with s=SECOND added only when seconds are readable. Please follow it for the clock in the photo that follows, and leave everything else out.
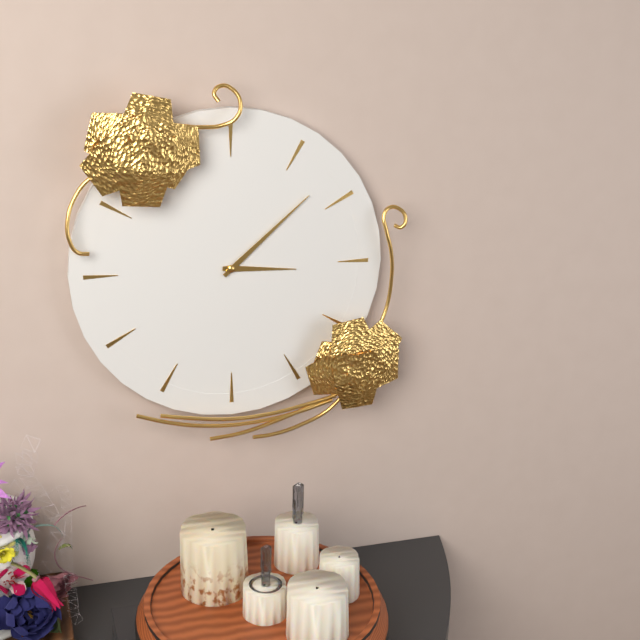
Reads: h=3 m=8
